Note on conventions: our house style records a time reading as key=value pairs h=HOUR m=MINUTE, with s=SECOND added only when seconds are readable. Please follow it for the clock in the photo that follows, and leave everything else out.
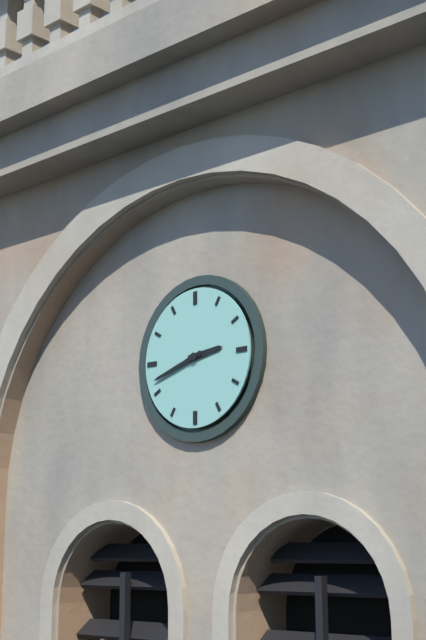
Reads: h=2 m=42
